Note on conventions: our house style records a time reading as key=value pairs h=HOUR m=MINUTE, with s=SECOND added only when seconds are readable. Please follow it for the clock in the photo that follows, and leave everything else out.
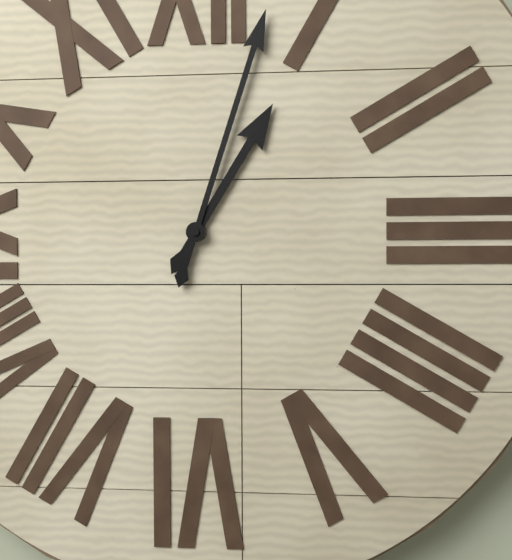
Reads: h=1 m=3
